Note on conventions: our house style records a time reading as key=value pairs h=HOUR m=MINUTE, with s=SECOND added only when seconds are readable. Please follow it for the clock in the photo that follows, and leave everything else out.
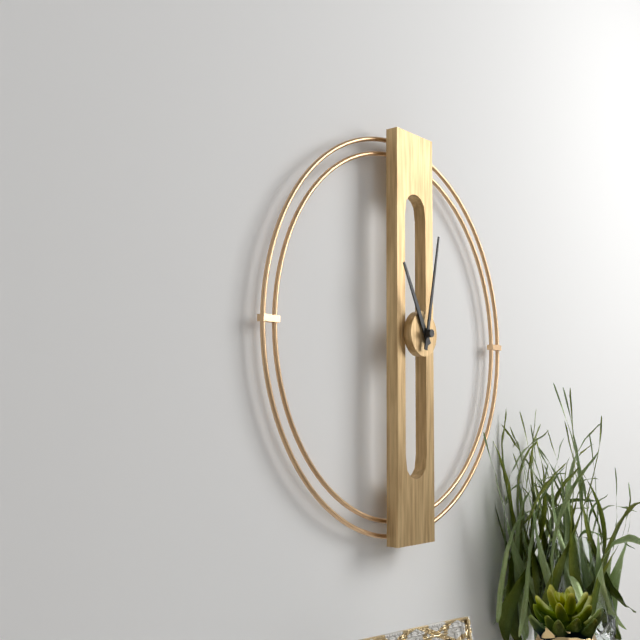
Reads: h=11 m=2
